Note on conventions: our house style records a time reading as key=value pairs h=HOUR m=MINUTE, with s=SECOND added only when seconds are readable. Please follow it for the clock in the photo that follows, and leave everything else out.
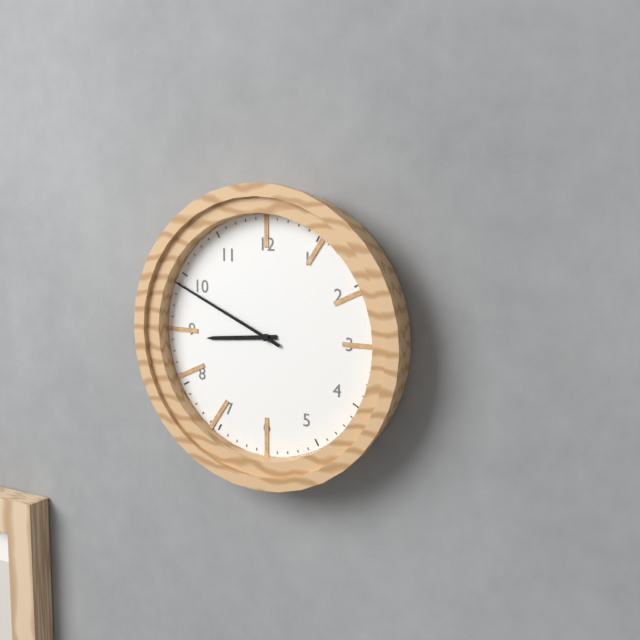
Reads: h=8 m=49
